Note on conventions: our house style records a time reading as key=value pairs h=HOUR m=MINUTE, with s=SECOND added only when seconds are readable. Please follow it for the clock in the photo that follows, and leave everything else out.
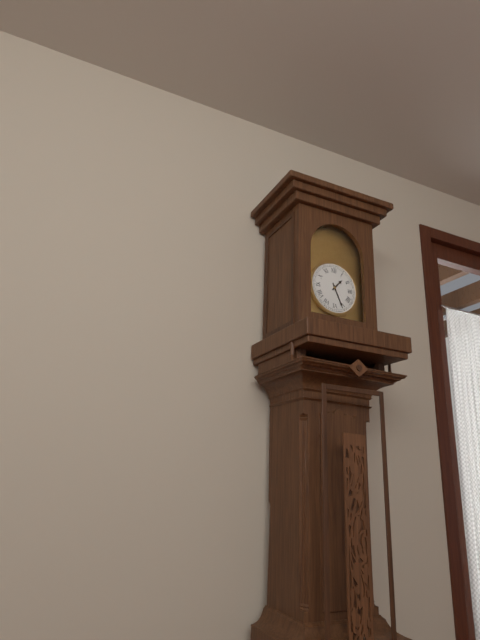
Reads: h=1 m=26
